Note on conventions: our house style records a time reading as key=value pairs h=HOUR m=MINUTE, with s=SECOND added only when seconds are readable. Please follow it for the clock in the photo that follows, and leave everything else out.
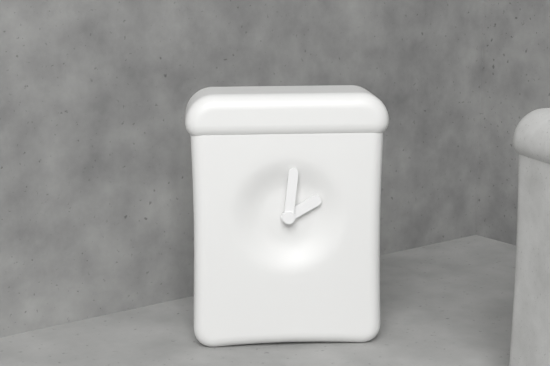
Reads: h=2 m=1
